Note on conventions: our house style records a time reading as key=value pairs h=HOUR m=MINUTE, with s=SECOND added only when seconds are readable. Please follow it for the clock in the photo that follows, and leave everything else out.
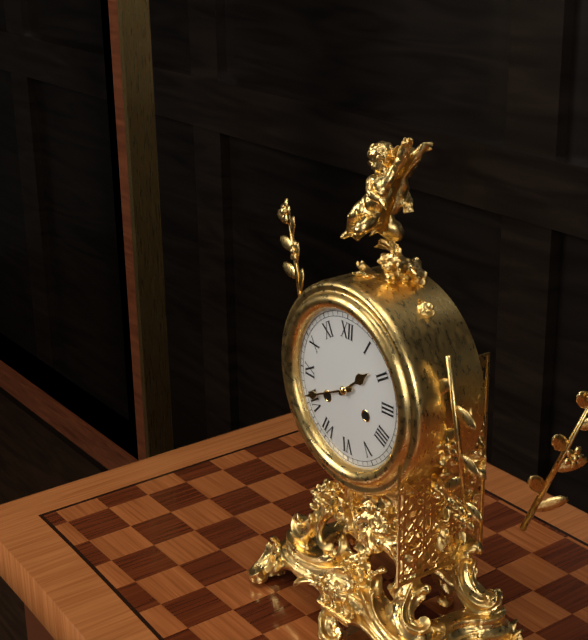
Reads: h=1 m=41
